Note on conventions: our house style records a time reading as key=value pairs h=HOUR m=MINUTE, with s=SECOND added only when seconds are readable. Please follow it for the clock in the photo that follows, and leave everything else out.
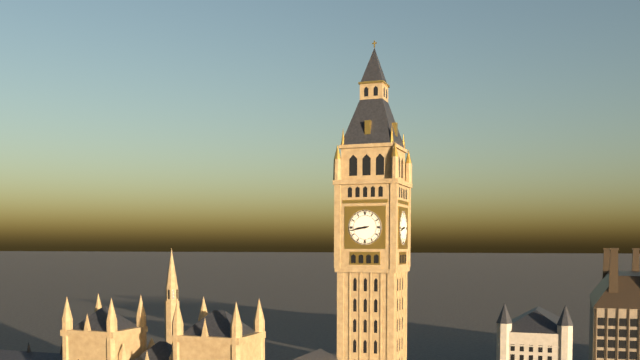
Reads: h=8 m=43
